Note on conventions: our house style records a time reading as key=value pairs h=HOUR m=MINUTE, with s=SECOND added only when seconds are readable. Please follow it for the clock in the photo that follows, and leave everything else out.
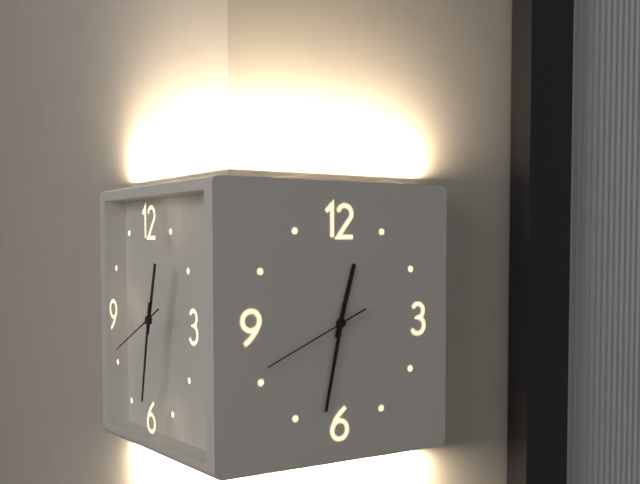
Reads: h=12 m=32 s=41
